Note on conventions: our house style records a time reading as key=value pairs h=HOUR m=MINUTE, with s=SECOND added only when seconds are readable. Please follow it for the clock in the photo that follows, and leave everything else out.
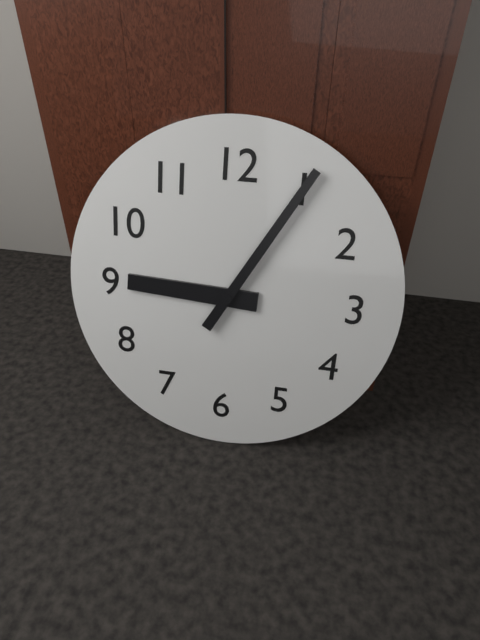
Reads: h=9 m=5
